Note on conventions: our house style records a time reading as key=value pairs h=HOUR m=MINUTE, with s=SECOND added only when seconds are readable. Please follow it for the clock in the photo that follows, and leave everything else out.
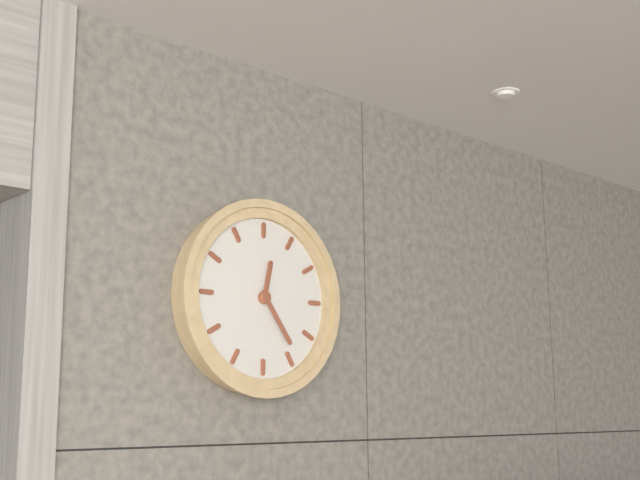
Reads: h=12 m=24
